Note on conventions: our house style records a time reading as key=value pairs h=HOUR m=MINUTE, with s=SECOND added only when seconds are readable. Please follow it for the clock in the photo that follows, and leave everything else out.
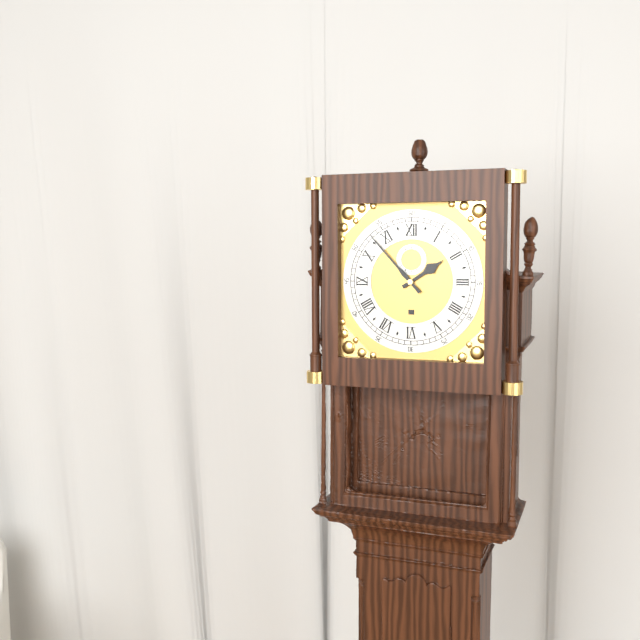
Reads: h=1 m=53
